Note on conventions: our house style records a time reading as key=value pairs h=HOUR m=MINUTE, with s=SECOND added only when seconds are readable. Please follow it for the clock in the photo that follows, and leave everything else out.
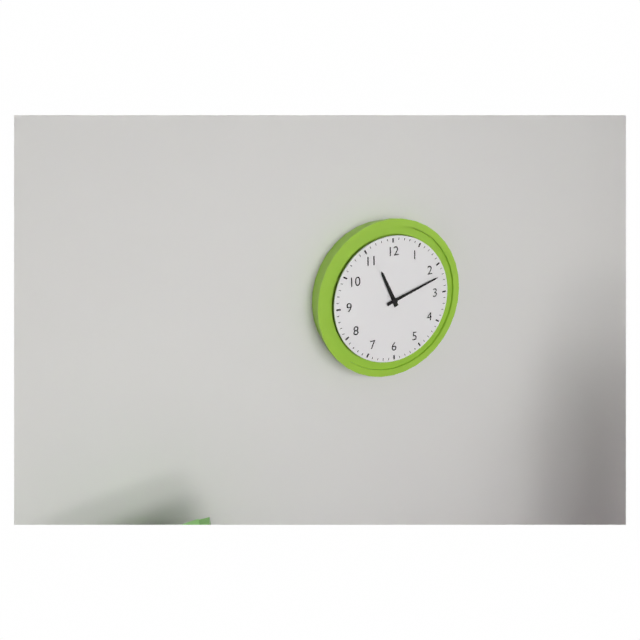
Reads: h=11 m=12
